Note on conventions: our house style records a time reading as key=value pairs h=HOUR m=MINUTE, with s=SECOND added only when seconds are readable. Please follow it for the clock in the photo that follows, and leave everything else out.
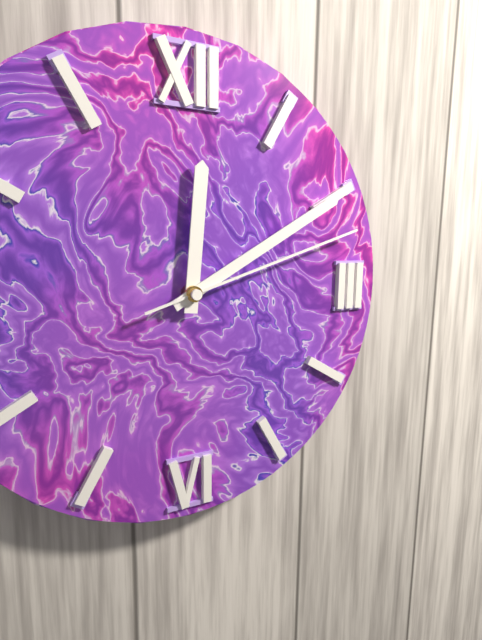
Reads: h=12 m=10 s=12
